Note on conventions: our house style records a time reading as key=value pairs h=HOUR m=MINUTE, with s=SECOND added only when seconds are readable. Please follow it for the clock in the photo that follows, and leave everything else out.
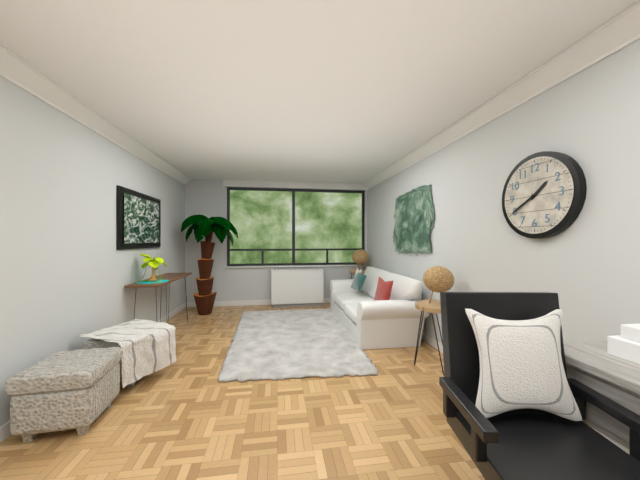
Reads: h=1 m=40
